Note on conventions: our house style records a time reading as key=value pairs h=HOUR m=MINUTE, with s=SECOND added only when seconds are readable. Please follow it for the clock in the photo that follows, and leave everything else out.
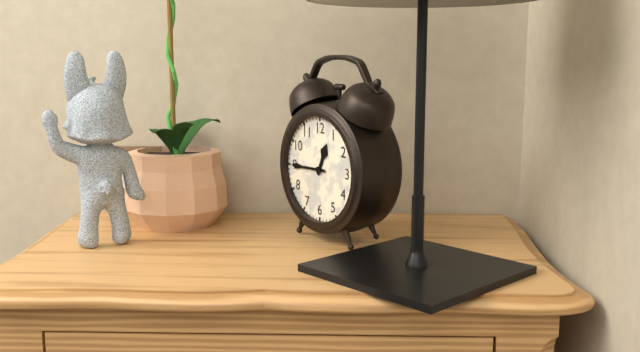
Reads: h=12 m=45
